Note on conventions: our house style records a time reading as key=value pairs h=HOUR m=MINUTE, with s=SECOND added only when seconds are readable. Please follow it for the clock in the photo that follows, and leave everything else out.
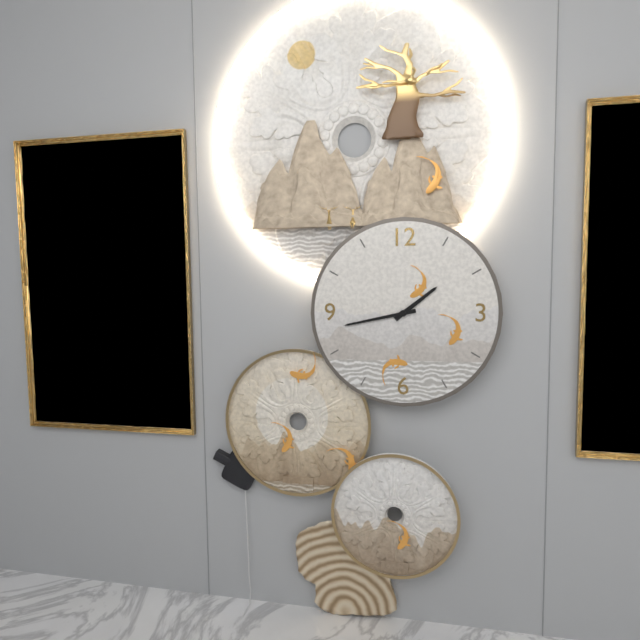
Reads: h=1 m=43
